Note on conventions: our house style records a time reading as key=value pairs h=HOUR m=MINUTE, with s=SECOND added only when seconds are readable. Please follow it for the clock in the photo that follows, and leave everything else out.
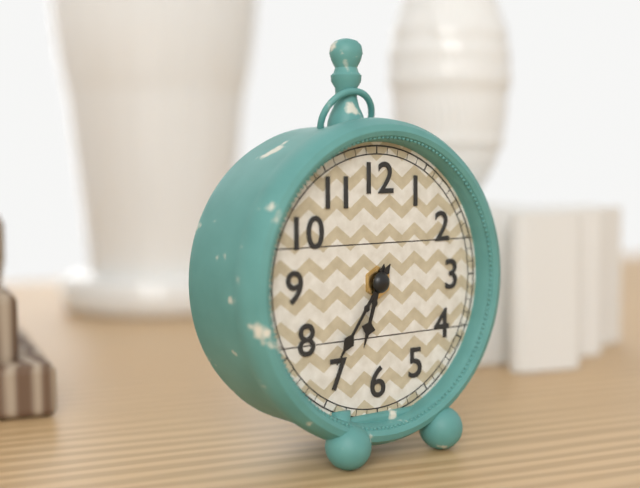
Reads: h=6 m=36
